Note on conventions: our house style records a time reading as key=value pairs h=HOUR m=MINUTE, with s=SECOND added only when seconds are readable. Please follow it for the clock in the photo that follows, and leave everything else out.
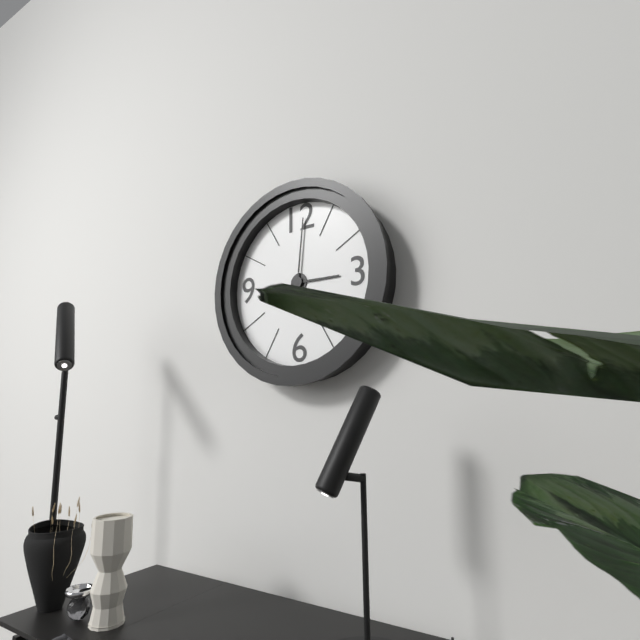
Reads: h=3 m=1
